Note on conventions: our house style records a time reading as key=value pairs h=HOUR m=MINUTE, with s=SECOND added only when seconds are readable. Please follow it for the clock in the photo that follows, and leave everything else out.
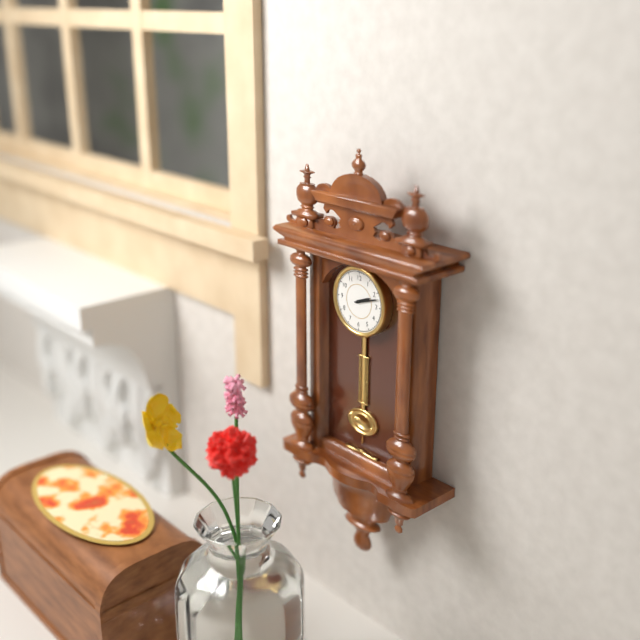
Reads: h=2 m=12
